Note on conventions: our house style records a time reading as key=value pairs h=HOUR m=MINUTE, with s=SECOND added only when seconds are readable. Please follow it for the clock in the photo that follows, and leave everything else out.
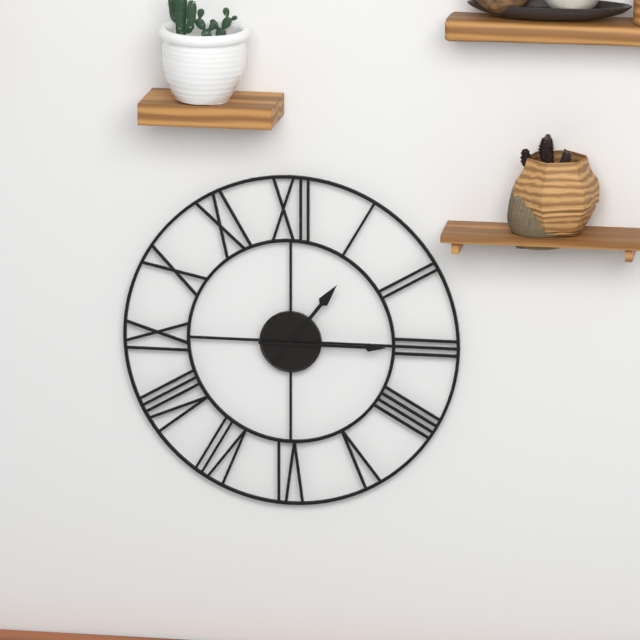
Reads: h=1 m=15
